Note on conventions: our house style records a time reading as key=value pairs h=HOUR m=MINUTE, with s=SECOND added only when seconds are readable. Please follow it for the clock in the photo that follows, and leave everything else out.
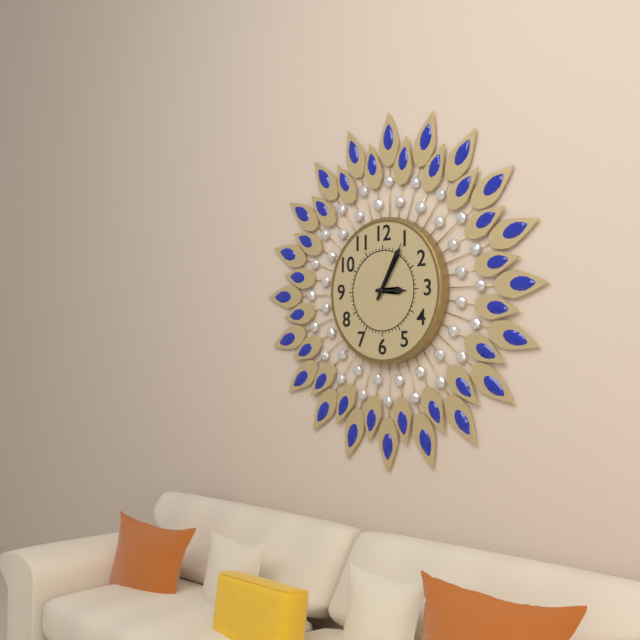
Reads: h=3 m=5
